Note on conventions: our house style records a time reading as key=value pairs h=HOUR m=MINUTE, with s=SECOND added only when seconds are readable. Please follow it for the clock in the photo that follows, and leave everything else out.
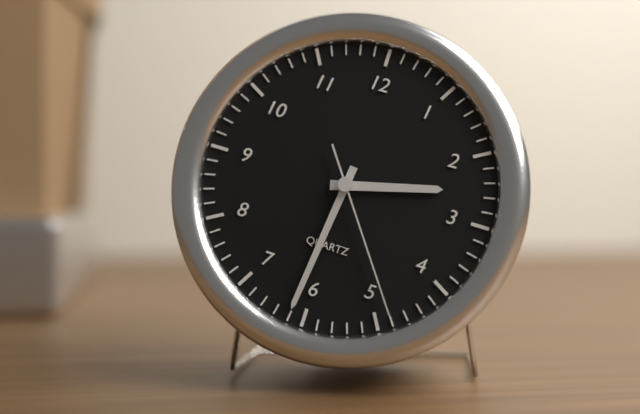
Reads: h=2 m=31 s=24
